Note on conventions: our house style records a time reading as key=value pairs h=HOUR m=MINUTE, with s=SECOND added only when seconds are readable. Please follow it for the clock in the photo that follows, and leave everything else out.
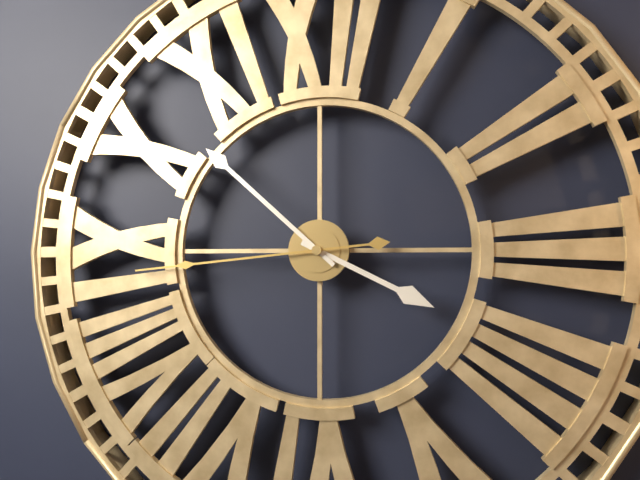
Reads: h=3 m=52 s=44
